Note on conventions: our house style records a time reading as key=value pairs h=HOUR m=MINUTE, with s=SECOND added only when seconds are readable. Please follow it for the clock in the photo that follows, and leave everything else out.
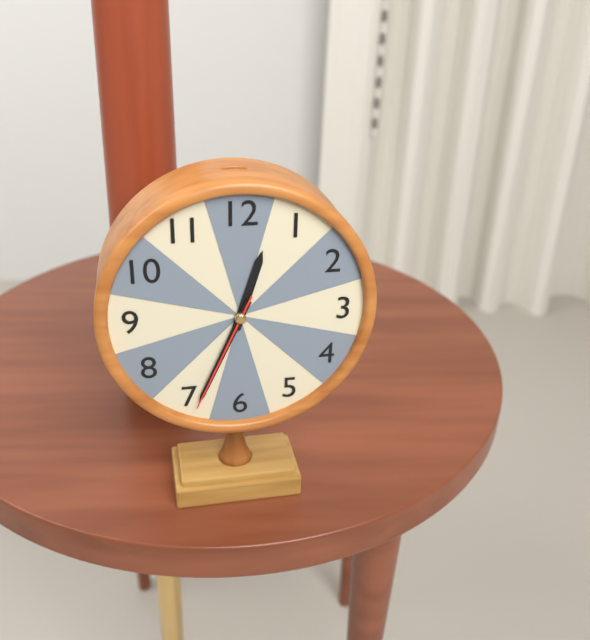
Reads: h=12 m=34 s=34
